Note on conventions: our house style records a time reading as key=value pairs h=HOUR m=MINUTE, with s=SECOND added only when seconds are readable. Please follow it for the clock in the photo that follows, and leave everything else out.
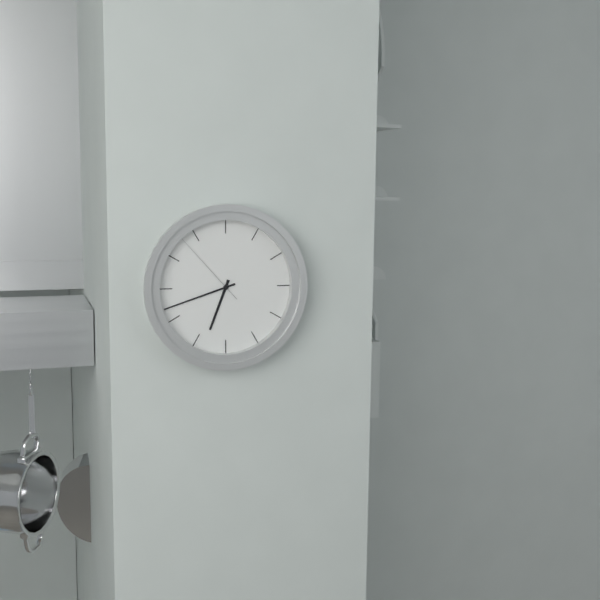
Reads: h=6 m=42 s=53
